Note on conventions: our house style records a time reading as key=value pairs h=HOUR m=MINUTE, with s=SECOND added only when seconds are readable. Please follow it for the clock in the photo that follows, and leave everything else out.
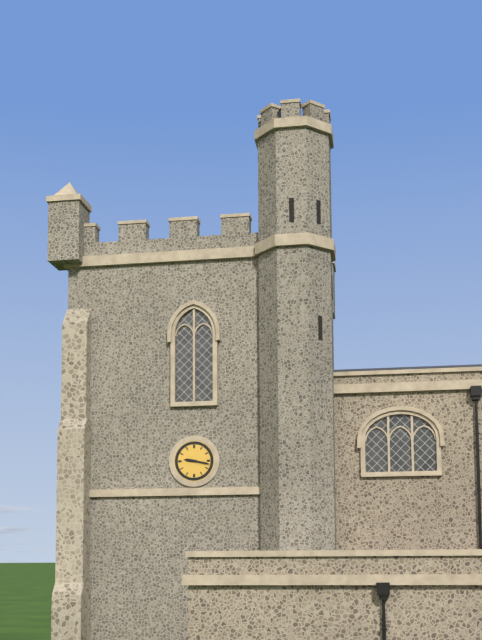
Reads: h=9 m=17
